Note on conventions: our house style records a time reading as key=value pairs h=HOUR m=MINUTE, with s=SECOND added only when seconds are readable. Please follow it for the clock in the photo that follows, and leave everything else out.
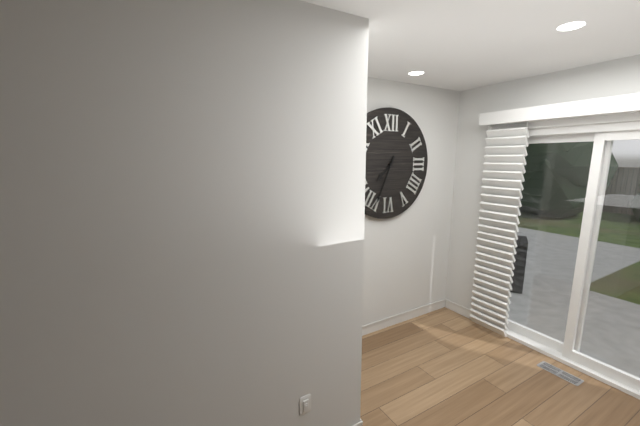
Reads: h=7 m=34
